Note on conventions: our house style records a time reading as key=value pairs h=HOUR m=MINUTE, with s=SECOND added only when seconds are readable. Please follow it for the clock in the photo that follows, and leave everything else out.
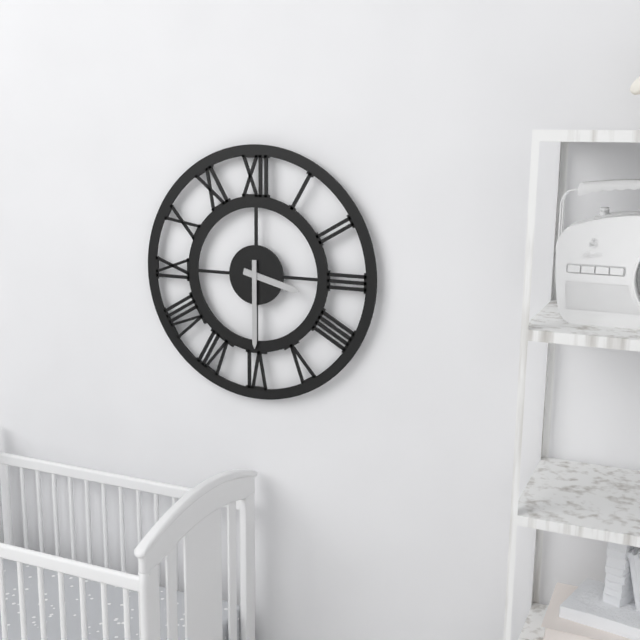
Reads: h=3 m=30
